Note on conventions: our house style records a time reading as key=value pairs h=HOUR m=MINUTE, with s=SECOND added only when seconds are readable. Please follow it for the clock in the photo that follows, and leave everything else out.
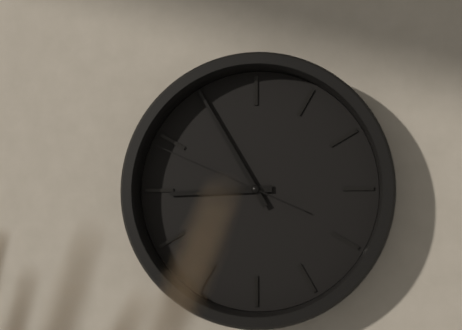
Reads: h=8 m=55 s=49
